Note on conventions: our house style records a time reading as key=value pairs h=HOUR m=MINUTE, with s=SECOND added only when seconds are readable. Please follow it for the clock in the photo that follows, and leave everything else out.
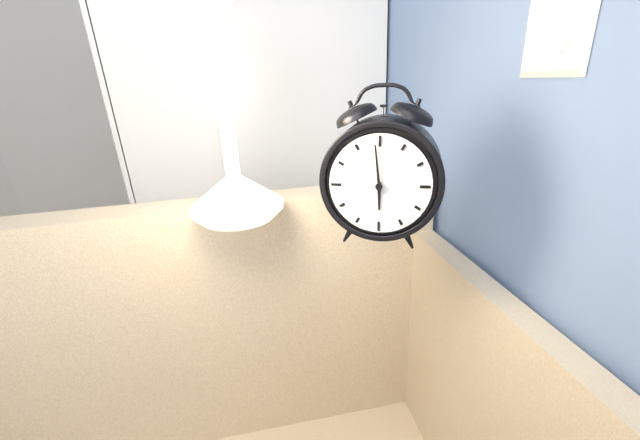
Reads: h=5 m=59
